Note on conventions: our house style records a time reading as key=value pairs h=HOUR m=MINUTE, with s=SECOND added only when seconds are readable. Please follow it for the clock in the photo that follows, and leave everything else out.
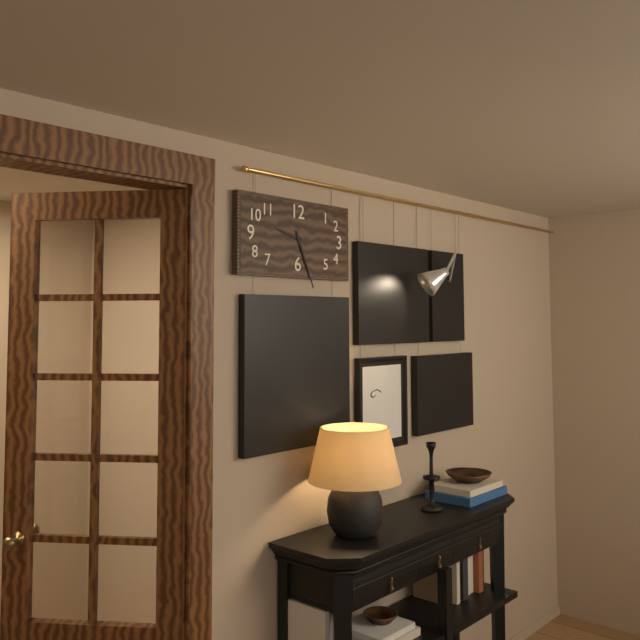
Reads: h=9 m=26
